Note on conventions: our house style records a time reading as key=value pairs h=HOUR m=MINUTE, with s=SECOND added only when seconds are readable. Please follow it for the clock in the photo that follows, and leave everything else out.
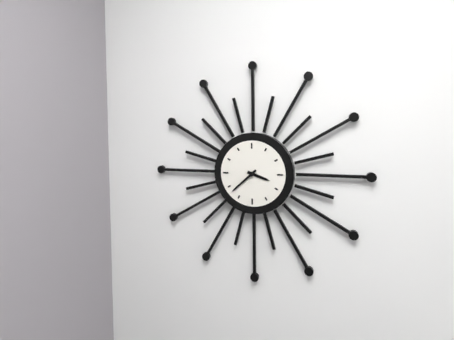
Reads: h=3 m=38
